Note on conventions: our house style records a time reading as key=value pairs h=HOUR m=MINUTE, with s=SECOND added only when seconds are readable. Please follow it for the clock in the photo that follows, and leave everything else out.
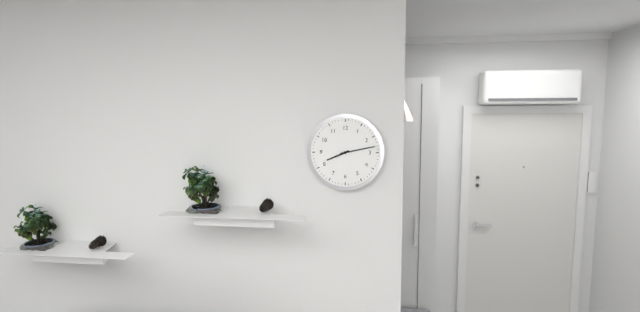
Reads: h=8 m=13
